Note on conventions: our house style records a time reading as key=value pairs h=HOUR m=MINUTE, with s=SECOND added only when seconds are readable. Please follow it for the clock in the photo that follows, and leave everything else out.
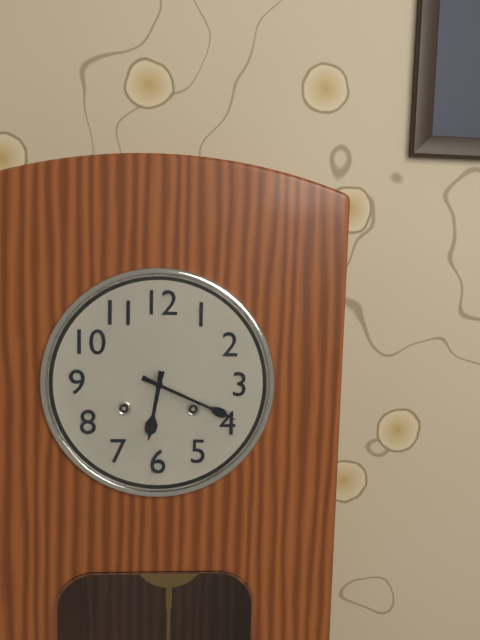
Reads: h=6 m=19
